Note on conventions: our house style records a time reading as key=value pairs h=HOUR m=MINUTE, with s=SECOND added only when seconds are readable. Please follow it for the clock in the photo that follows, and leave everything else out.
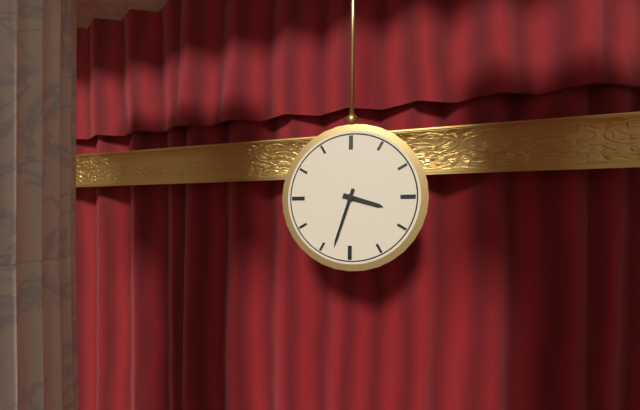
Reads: h=3 m=33
